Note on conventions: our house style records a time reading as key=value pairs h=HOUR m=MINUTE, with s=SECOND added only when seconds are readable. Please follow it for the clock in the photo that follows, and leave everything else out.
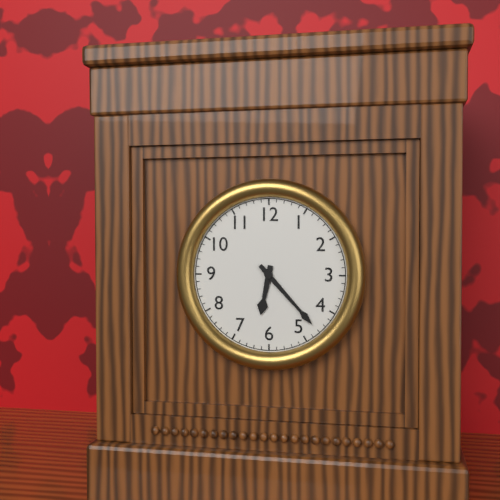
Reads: h=6 m=23
